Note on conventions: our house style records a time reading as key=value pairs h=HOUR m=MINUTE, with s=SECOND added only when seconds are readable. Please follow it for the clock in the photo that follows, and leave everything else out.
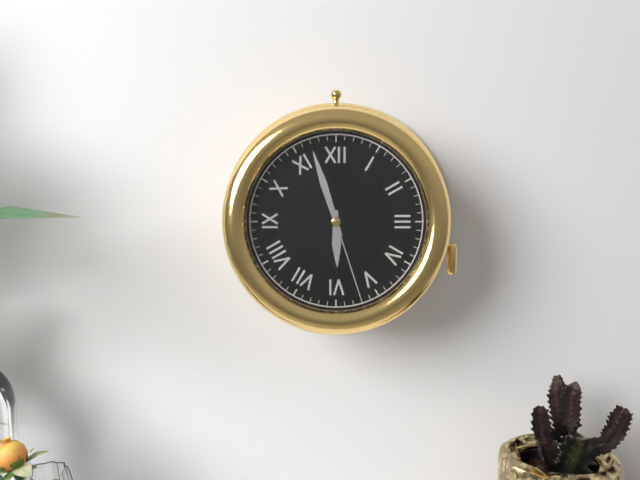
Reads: h=5 m=57 s=27
